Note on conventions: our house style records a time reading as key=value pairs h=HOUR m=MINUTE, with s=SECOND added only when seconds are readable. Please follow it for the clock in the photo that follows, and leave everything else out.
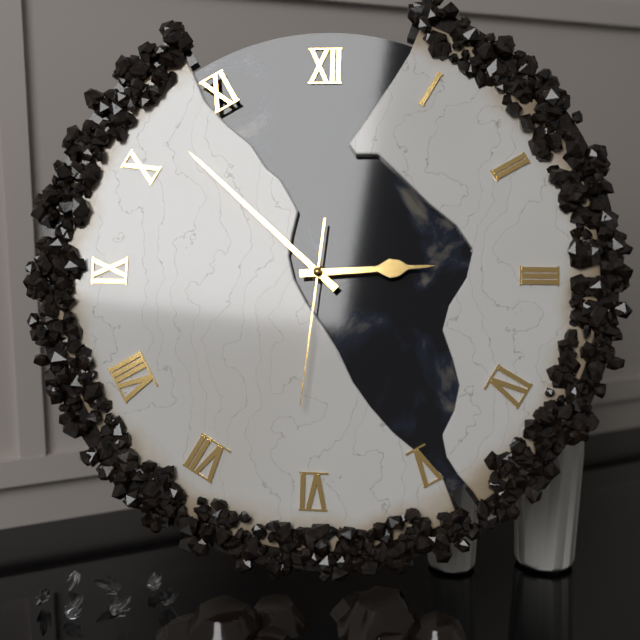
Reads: h=2 m=52 s=31
